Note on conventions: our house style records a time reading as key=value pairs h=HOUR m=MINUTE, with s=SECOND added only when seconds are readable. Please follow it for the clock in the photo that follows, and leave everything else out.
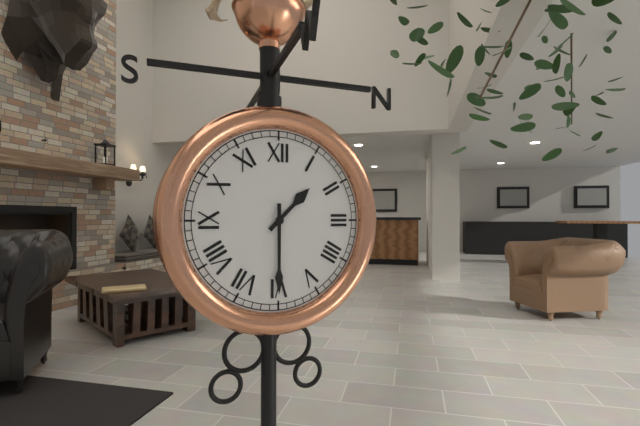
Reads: h=1 m=30
